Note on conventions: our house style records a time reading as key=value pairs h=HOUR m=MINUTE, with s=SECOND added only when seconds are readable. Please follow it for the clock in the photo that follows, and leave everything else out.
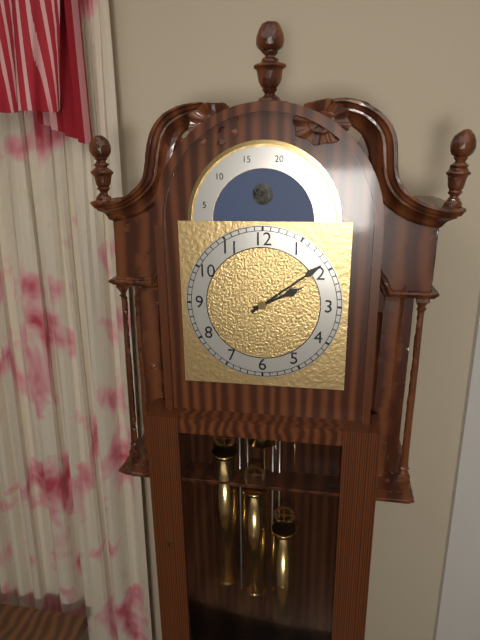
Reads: h=2 m=9
